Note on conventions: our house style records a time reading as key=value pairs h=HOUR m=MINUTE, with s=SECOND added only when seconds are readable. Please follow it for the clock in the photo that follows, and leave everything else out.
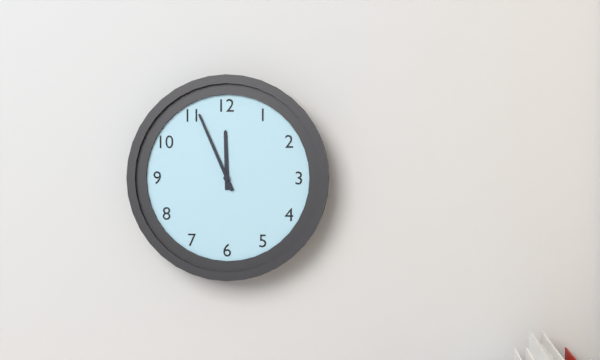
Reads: h=11 m=56
